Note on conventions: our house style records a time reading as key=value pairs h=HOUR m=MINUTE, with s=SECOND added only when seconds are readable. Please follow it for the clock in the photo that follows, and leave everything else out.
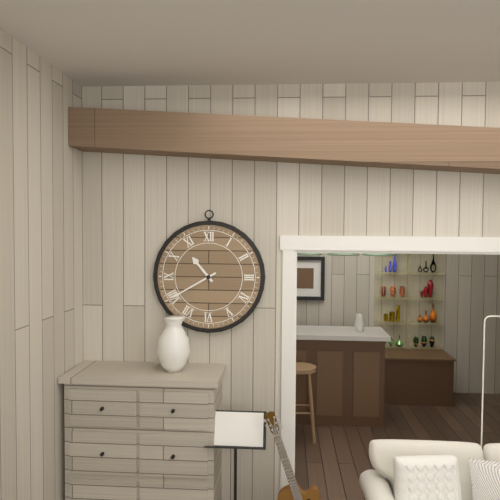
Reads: h=10 m=40
